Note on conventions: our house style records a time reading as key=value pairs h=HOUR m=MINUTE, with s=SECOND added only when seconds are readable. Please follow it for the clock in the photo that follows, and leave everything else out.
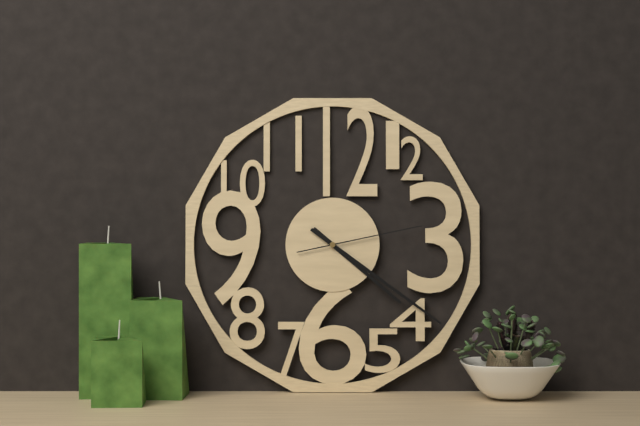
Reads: h=4 m=21 s=13
